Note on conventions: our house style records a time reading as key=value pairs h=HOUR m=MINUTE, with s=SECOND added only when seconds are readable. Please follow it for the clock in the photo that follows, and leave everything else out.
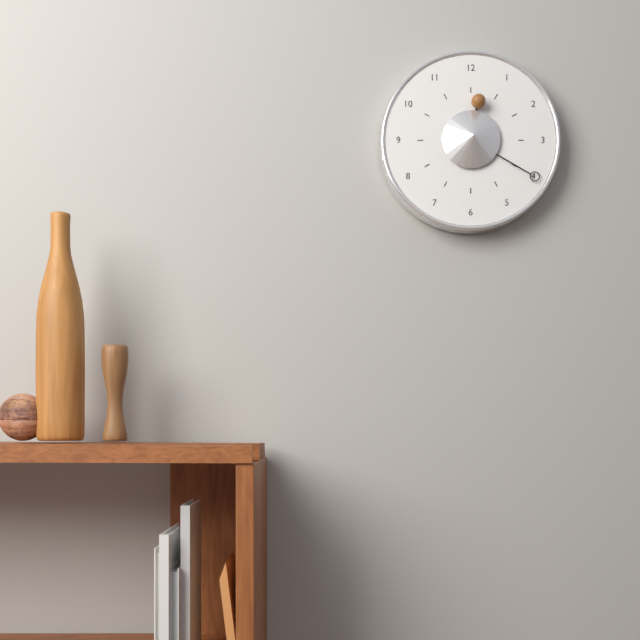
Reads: h=12 m=20
